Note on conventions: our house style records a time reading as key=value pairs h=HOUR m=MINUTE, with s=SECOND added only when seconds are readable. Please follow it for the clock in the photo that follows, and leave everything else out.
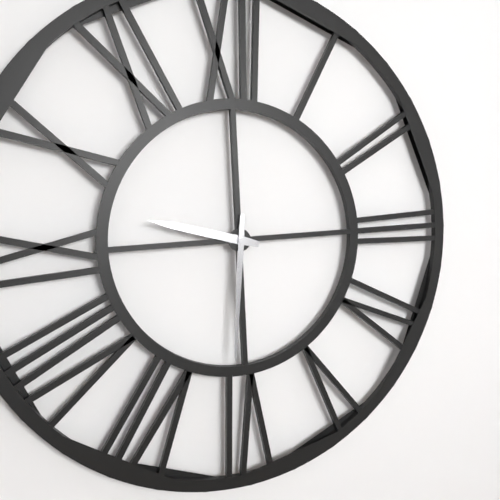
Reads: h=9 m=31
